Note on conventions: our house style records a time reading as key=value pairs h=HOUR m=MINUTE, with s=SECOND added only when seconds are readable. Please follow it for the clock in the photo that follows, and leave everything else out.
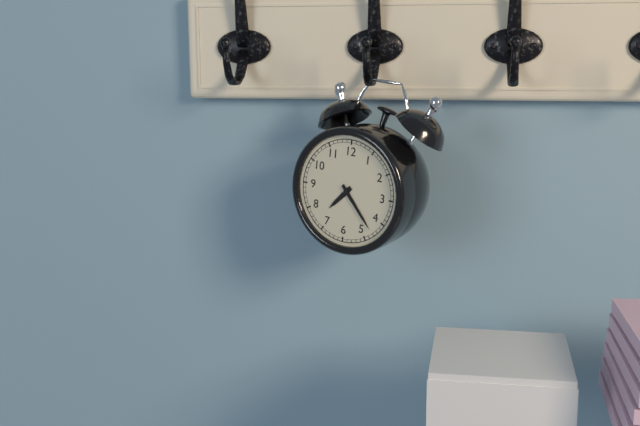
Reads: h=7 m=23
